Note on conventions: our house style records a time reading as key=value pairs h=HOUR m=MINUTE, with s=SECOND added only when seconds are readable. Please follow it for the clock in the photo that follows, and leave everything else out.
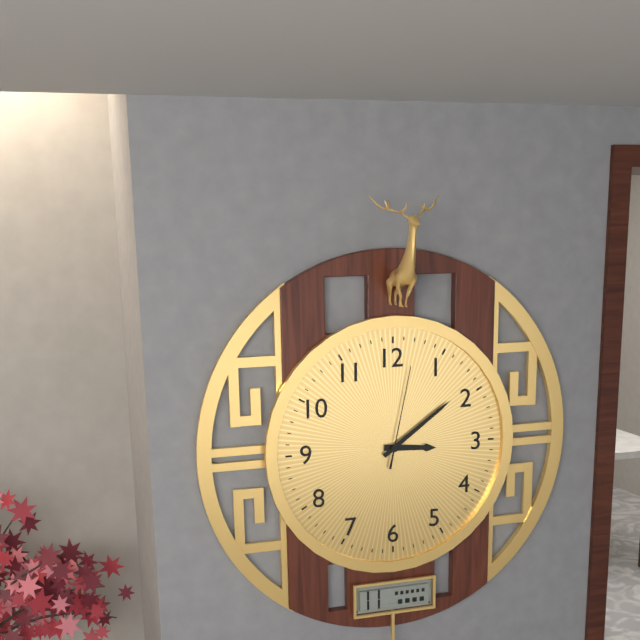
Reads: h=3 m=9 s=2
